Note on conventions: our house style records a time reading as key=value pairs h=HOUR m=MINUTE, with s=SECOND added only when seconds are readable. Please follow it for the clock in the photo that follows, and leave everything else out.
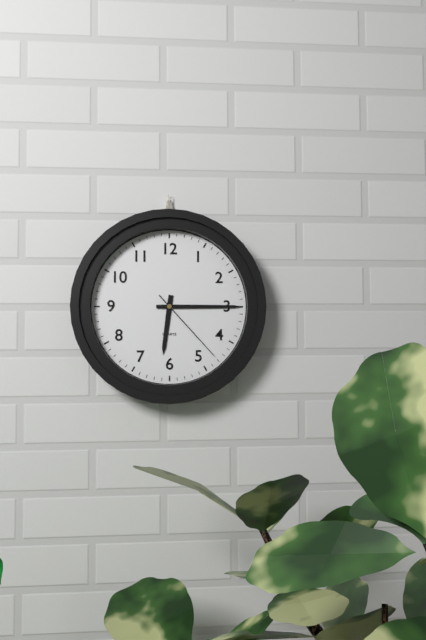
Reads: h=6 m=15 s=23
